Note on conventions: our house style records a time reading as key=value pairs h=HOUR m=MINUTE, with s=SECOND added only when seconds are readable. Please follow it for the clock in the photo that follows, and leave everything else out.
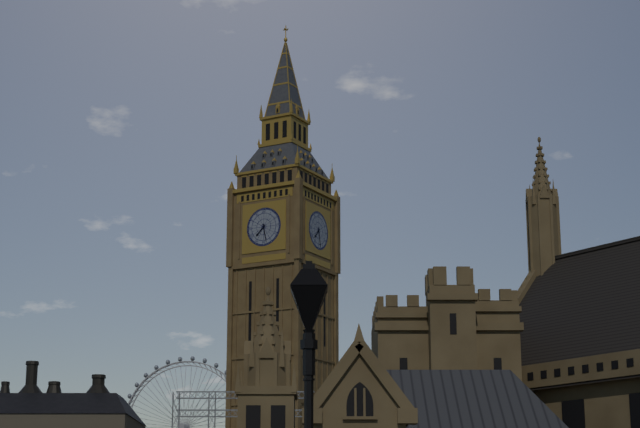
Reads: h=7 m=28
